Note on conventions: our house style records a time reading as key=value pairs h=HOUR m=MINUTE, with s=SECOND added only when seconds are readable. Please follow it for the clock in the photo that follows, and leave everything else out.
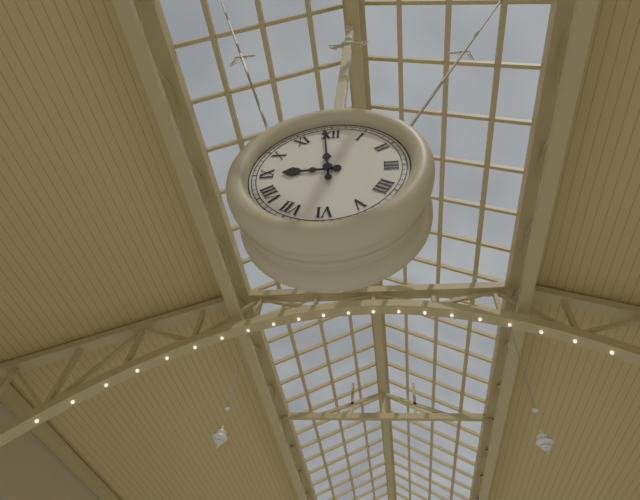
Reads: h=8 m=59
